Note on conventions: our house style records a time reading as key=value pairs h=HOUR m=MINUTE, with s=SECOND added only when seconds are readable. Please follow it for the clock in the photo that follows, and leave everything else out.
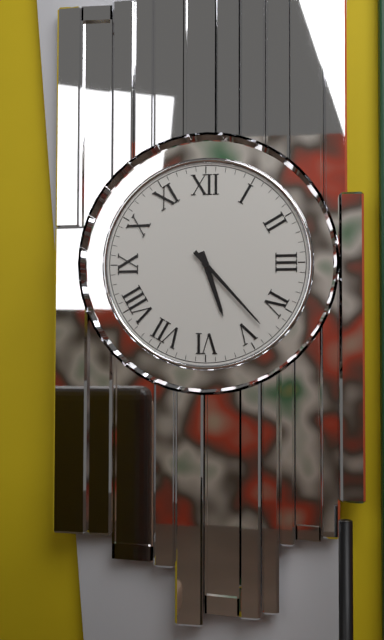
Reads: h=5 m=23
